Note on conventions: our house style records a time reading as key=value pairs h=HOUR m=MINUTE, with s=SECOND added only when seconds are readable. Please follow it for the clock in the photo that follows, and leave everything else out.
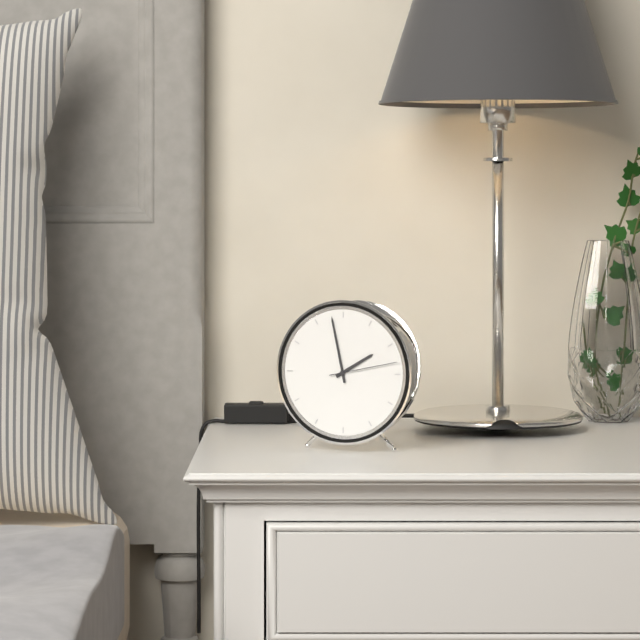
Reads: h=1 m=58 s=13
